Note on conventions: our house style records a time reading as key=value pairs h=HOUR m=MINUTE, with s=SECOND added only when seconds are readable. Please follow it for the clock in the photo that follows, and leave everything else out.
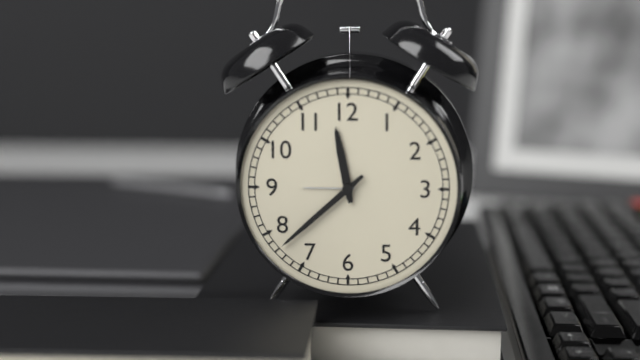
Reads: h=11 m=38
